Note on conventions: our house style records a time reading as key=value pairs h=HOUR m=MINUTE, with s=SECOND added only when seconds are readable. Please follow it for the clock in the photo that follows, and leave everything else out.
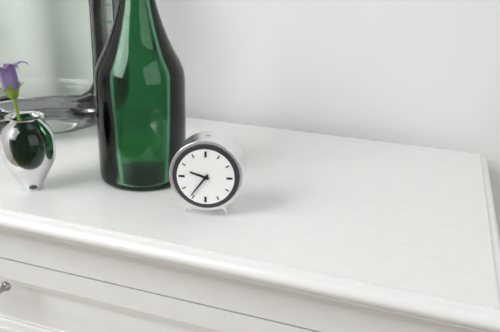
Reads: h=9 m=36
